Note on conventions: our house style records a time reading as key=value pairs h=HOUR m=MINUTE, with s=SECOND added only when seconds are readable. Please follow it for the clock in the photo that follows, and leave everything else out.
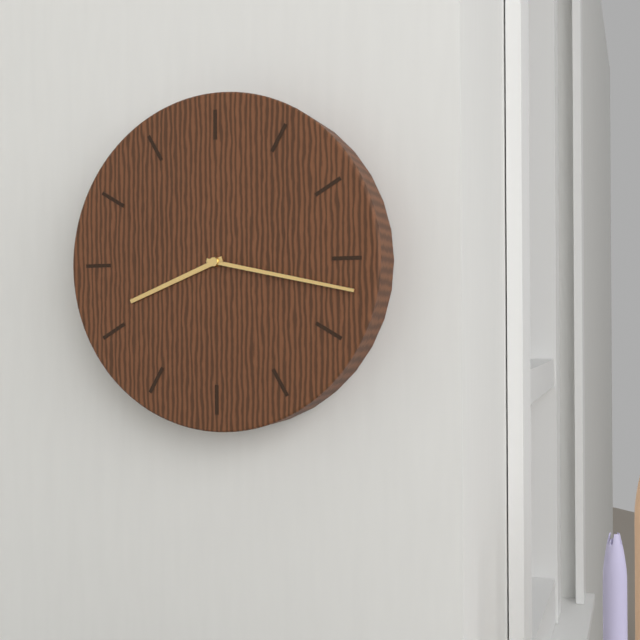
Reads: h=8 m=17
